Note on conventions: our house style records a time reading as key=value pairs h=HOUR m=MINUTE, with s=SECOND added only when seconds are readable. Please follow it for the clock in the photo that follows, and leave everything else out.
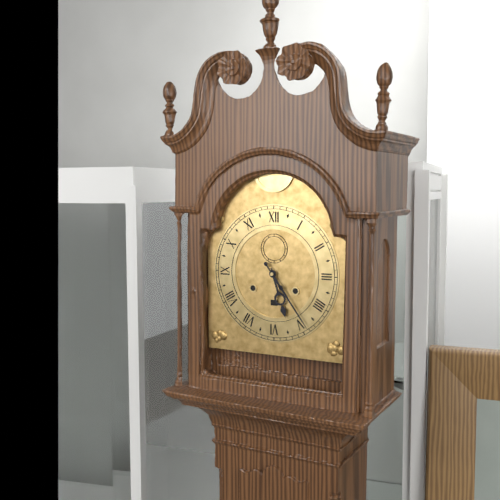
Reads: h=5 m=24
